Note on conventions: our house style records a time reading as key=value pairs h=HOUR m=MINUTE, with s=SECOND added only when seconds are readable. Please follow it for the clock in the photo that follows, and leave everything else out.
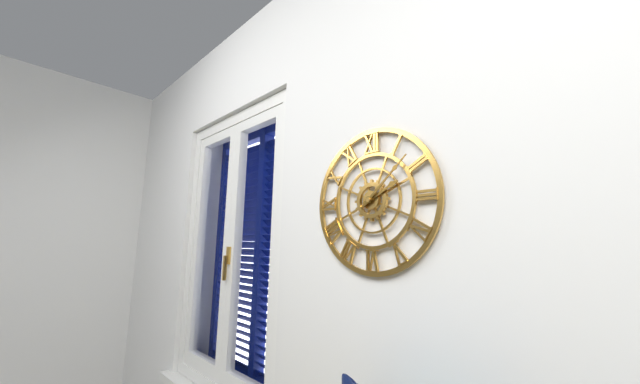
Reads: h=2 m=8
